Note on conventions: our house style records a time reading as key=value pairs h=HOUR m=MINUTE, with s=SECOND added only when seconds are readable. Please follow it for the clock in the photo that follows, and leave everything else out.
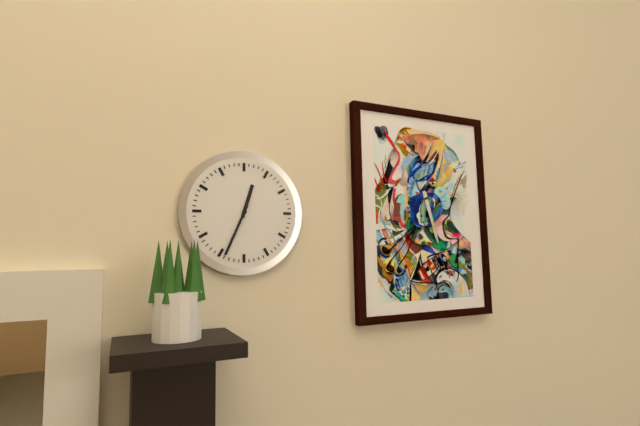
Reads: h=12 m=34
